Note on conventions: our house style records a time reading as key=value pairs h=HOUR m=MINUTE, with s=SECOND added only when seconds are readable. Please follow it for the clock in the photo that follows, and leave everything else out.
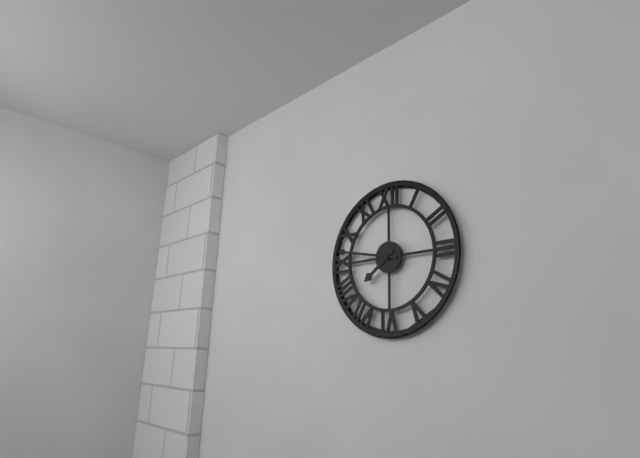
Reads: h=7 m=47
